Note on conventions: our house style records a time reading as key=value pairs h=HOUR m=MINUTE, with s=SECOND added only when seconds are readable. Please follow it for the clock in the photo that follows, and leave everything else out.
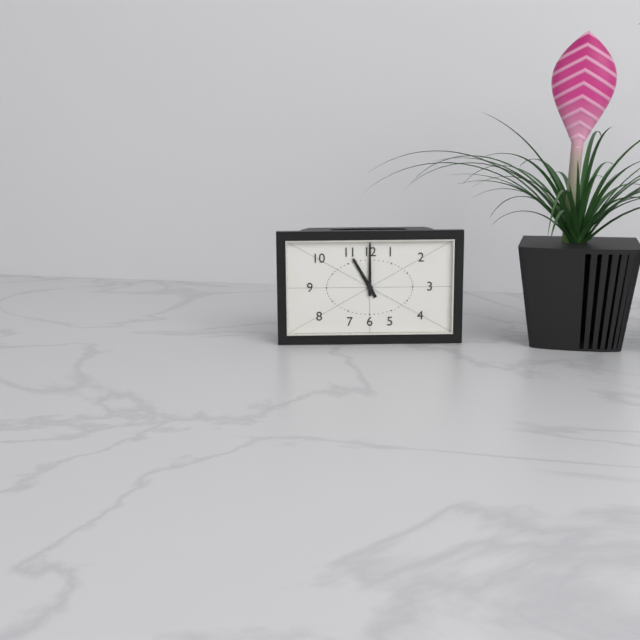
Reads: h=11 m=0
